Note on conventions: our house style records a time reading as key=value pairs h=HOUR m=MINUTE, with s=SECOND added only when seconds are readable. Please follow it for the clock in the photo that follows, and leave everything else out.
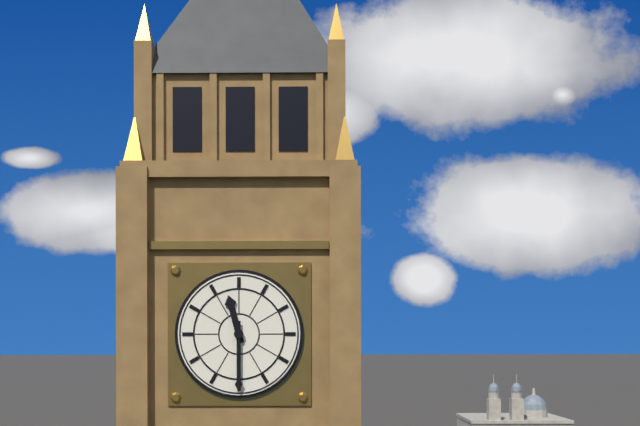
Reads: h=11 m=30
